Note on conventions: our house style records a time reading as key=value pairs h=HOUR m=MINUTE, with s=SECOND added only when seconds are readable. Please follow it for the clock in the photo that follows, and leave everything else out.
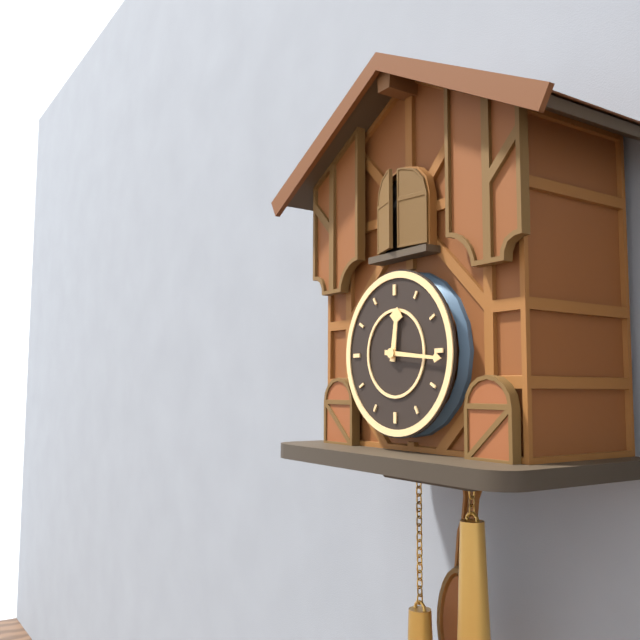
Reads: h=12 m=16
